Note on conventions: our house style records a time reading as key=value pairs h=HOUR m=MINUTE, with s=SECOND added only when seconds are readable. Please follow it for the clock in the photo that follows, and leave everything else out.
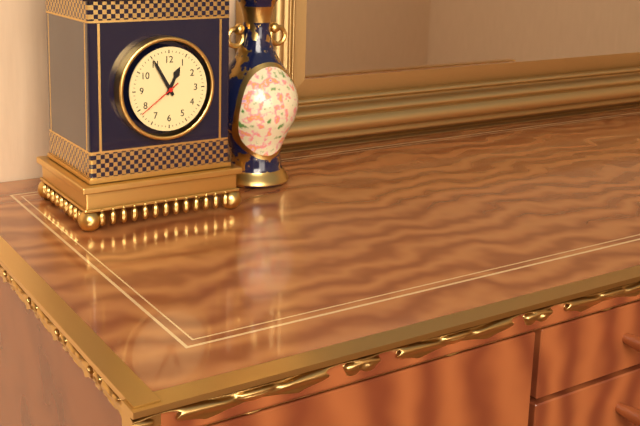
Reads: h=12 m=55
